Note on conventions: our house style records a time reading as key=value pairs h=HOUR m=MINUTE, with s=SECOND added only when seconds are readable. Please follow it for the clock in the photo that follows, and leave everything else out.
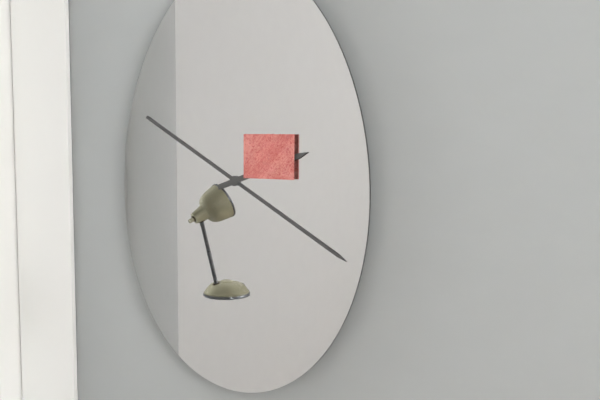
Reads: h=2 m=20
